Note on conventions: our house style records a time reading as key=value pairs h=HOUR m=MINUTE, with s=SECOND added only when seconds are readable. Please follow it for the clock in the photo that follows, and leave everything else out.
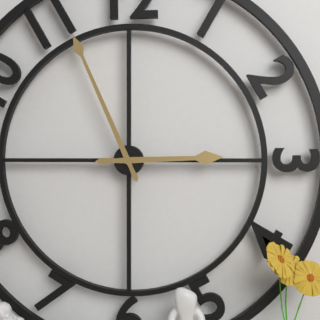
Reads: h=2 m=56
